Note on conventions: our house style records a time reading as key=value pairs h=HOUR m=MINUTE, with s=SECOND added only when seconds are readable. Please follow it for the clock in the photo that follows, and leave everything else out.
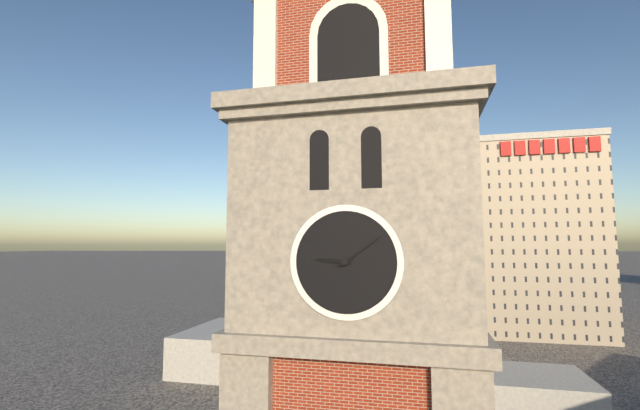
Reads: h=9 m=9
